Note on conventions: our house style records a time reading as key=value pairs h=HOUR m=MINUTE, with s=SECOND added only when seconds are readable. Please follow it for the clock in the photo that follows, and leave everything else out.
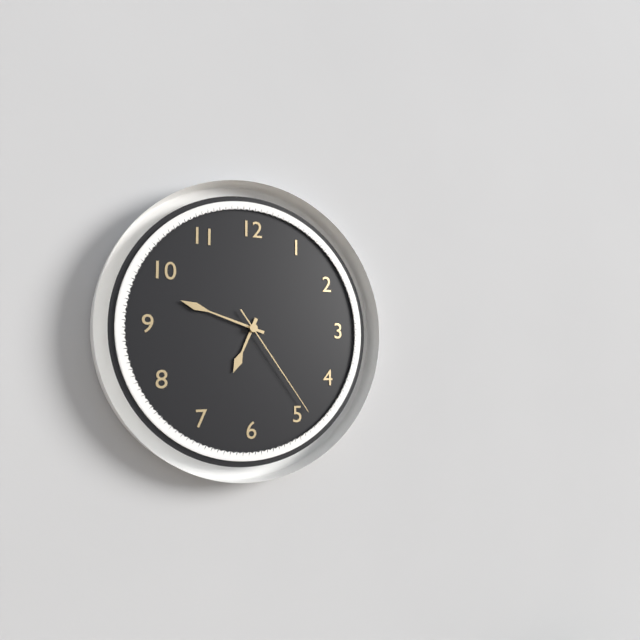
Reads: h=6 m=48 s=24
